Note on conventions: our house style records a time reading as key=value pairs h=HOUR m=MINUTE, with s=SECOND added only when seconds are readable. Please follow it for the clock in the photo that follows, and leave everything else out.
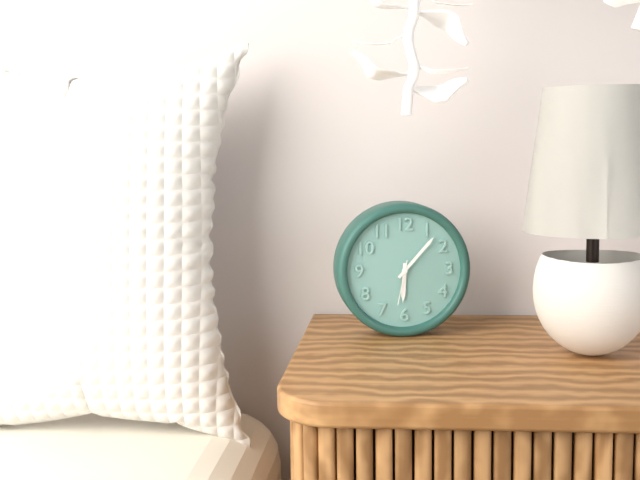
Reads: h=6 m=7
